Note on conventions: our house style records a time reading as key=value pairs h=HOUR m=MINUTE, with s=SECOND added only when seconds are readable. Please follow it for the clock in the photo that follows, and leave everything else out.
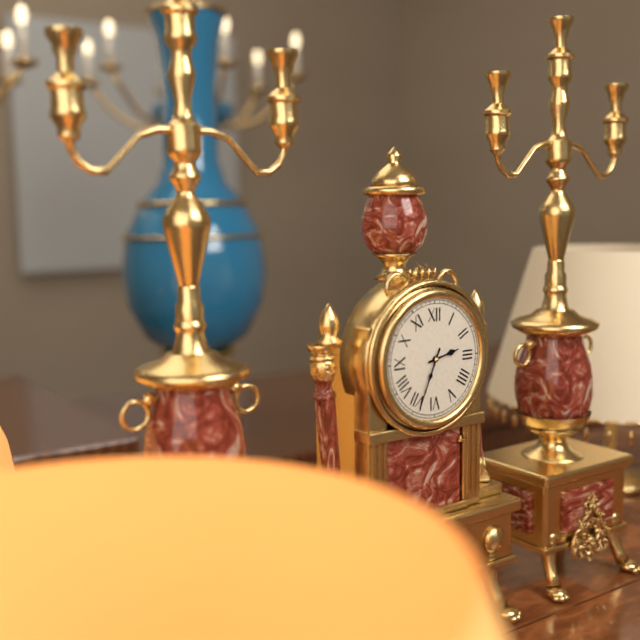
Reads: h=2 m=34
